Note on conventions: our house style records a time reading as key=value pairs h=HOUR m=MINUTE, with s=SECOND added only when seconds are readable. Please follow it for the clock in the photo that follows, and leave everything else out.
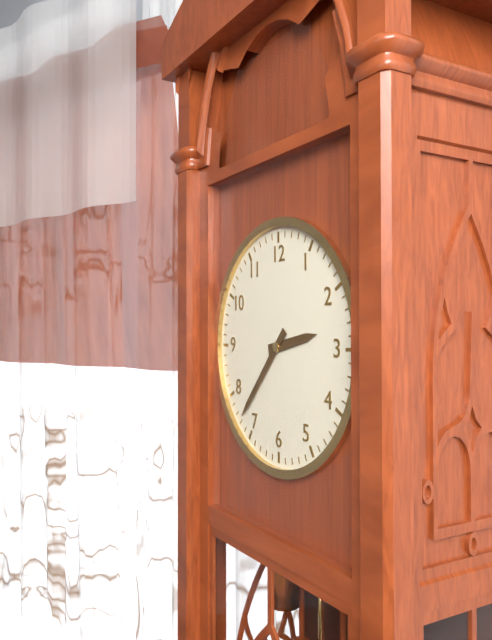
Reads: h=2 m=37
